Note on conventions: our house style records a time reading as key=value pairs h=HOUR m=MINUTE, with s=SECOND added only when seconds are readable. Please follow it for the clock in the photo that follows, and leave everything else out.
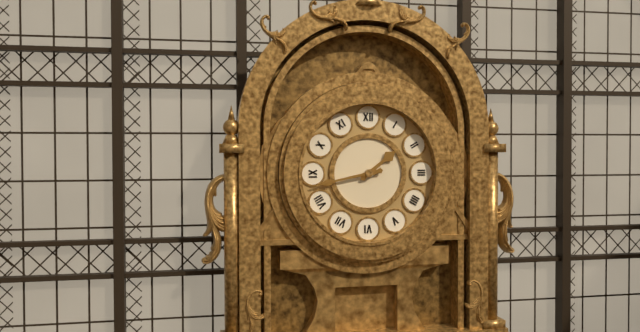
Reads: h=1 m=43
